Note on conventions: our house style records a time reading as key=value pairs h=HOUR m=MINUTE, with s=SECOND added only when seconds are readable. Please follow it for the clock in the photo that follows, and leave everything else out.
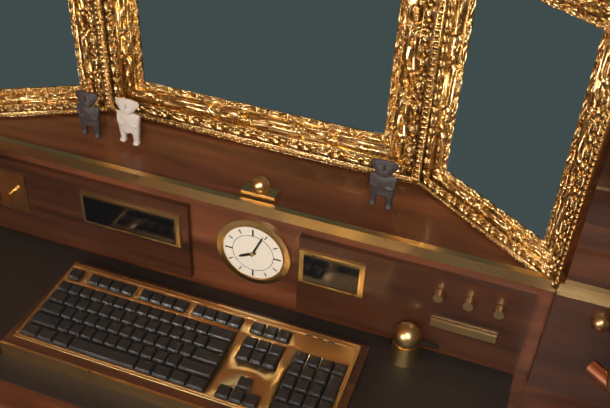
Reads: h=8 m=4
